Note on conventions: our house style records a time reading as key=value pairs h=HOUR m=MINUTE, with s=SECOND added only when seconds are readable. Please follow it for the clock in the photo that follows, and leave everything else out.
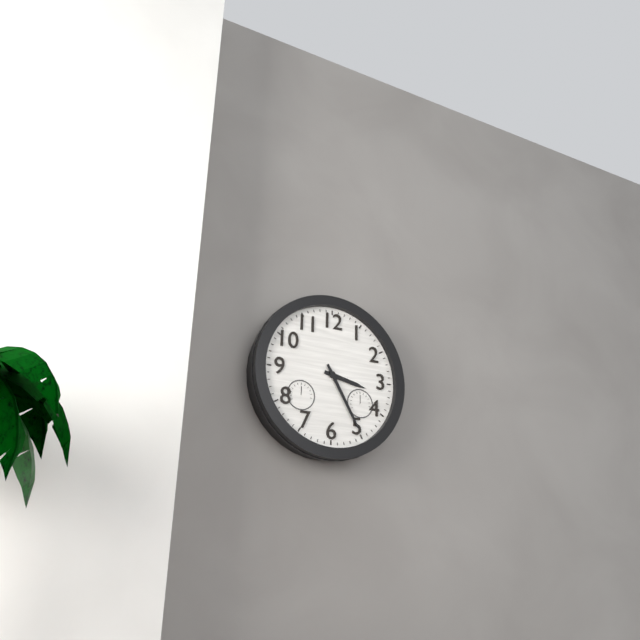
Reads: h=3 m=25
